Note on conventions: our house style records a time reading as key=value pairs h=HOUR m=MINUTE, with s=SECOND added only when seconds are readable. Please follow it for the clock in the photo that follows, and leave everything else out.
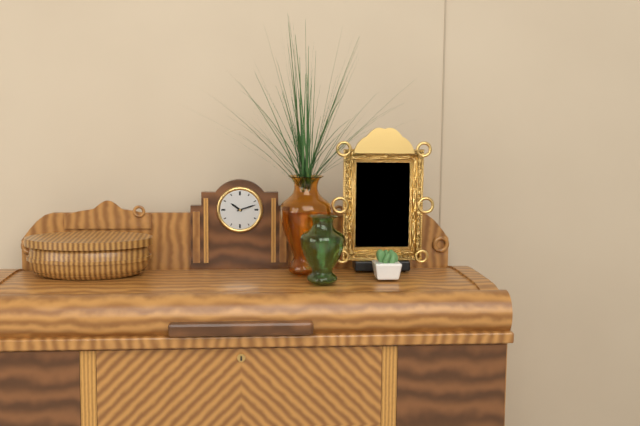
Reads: h=10 m=12
